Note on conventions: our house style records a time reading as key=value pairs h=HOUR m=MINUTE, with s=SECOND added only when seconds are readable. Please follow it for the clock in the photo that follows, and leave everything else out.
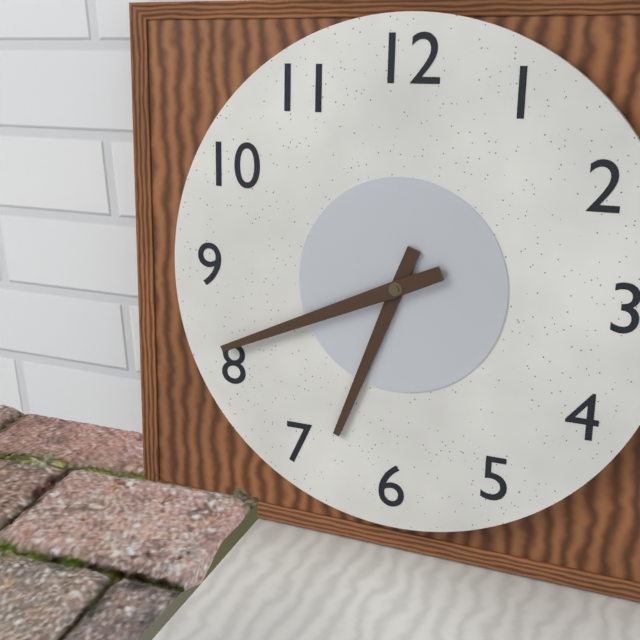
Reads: h=6 m=41
